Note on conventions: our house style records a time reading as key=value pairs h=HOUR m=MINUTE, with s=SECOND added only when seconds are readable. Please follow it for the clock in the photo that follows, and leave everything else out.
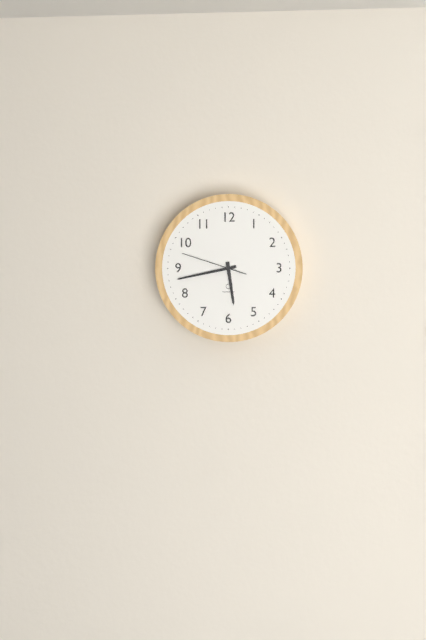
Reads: h=5 m=43 s=48
